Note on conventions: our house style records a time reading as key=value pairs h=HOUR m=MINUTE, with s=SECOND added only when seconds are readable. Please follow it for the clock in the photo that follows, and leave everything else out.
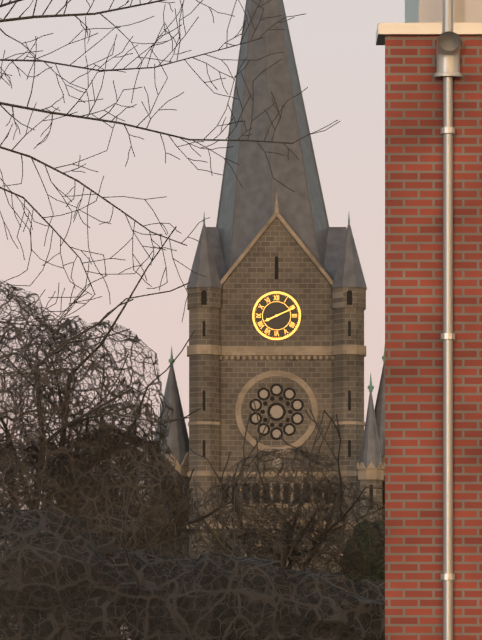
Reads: h=8 m=11
